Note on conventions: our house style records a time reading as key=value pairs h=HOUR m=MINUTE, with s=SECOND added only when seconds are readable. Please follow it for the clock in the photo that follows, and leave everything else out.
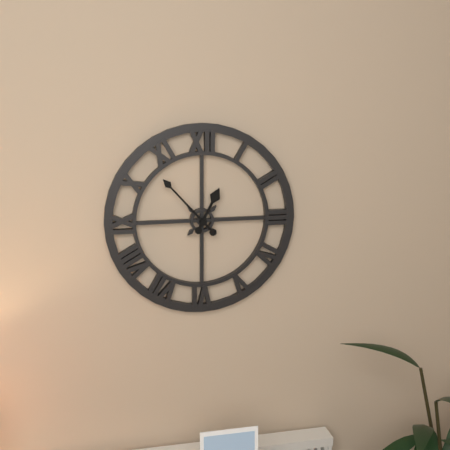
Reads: h=12 m=53
